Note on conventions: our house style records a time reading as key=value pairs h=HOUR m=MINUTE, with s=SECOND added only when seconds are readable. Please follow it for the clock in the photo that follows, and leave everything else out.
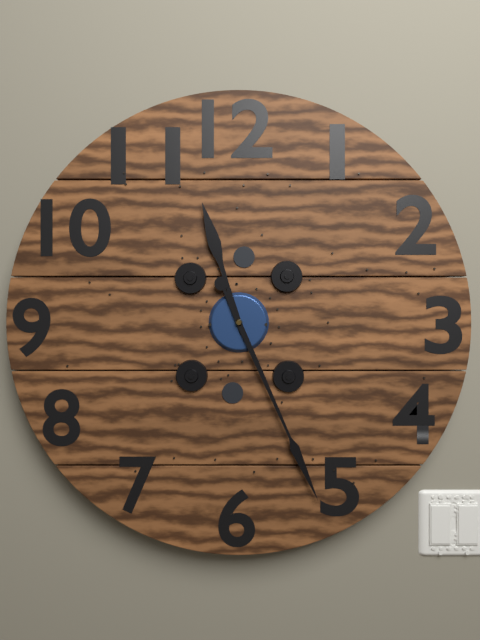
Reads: h=11 m=26
